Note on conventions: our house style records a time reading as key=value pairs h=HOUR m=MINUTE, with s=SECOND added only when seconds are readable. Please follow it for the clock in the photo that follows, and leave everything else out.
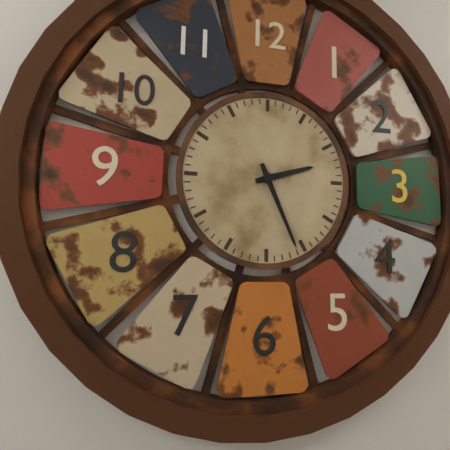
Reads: h=2 m=26
